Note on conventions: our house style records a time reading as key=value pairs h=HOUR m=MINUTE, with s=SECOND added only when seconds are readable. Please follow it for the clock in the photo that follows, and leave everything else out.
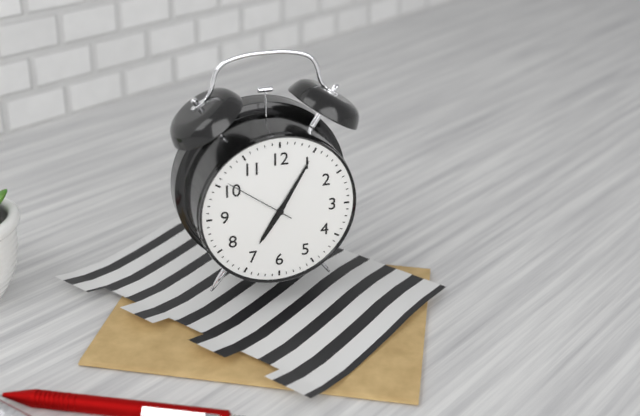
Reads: h=7 m=5 s=51
